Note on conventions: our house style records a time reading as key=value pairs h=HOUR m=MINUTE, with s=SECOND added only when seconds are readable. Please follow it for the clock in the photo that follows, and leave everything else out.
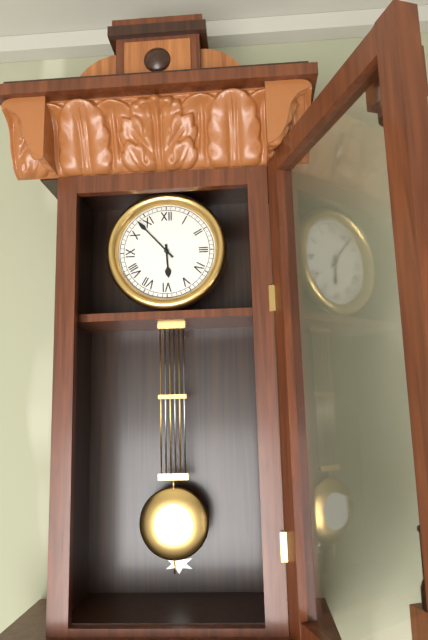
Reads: h=5 m=53
